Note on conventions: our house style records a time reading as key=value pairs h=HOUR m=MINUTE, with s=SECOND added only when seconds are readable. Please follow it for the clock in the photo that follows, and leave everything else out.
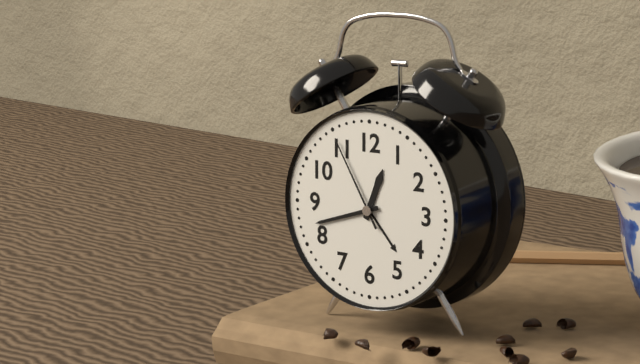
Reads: h=12 m=42 s=55
